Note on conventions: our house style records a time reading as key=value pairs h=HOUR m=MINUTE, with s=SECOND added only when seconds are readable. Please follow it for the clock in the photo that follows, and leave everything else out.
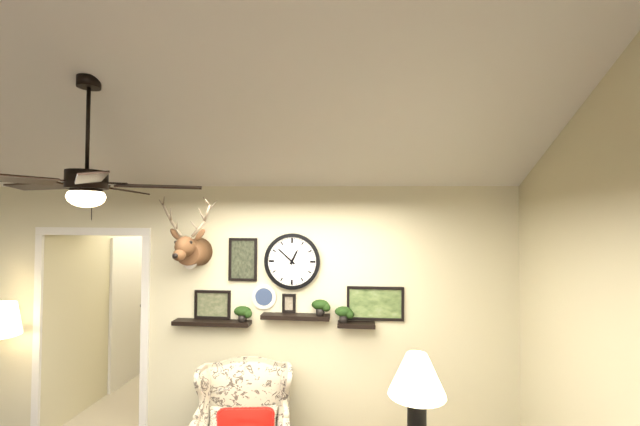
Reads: h=12 m=52
